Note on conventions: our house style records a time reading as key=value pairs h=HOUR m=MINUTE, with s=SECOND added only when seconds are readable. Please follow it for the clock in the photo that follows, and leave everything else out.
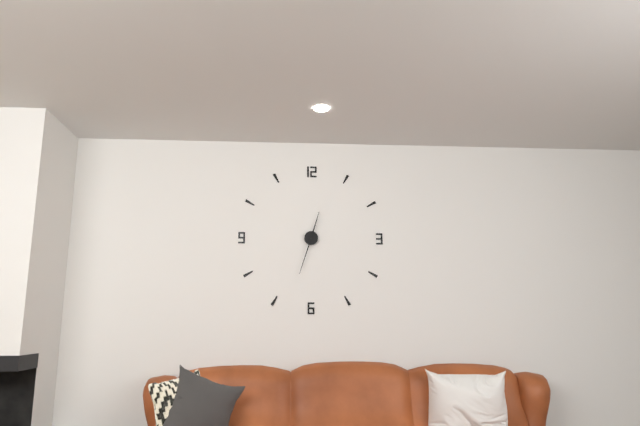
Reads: h=12 m=33
